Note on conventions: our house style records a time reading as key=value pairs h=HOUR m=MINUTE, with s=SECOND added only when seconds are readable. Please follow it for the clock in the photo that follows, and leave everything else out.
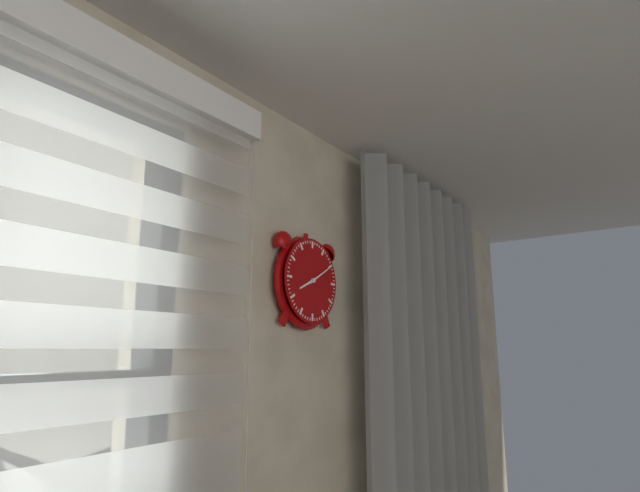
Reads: h=8 m=10
